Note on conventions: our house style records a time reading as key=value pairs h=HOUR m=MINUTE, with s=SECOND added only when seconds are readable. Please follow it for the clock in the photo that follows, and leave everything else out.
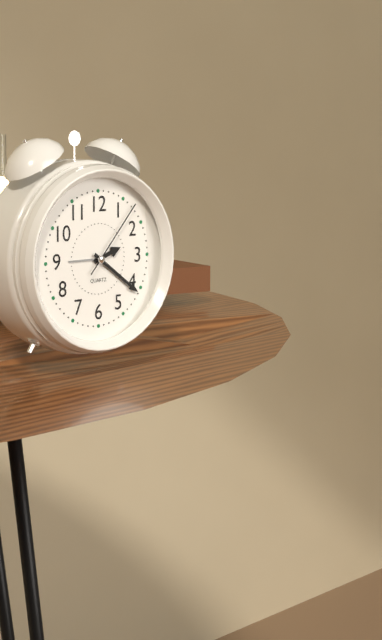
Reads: h=2 m=21 s=7
